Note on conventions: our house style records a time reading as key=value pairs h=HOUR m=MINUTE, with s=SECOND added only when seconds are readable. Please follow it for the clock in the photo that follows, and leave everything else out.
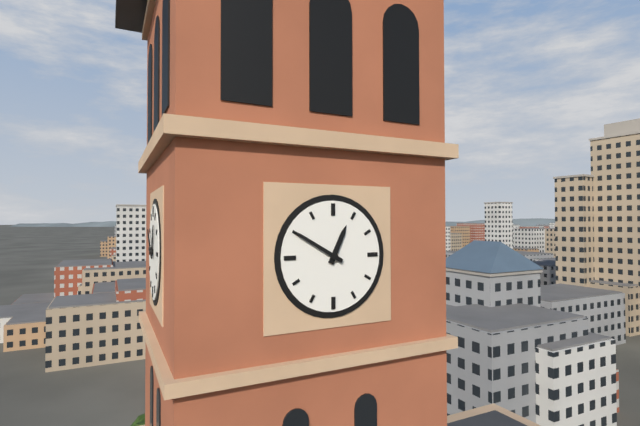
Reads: h=12 m=50
